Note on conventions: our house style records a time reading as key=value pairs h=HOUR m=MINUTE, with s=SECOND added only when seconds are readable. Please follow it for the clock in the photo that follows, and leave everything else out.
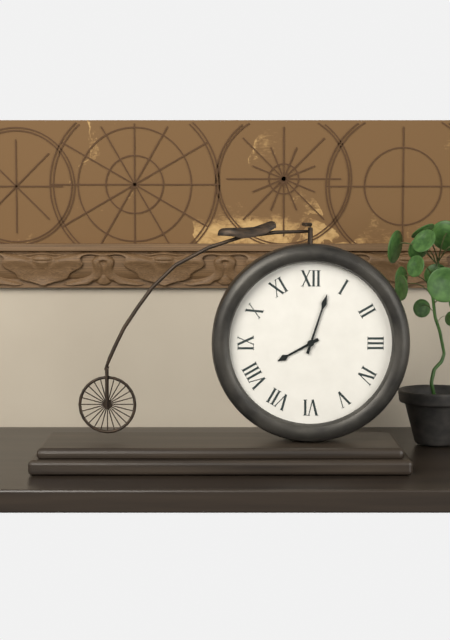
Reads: h=8 m=3
